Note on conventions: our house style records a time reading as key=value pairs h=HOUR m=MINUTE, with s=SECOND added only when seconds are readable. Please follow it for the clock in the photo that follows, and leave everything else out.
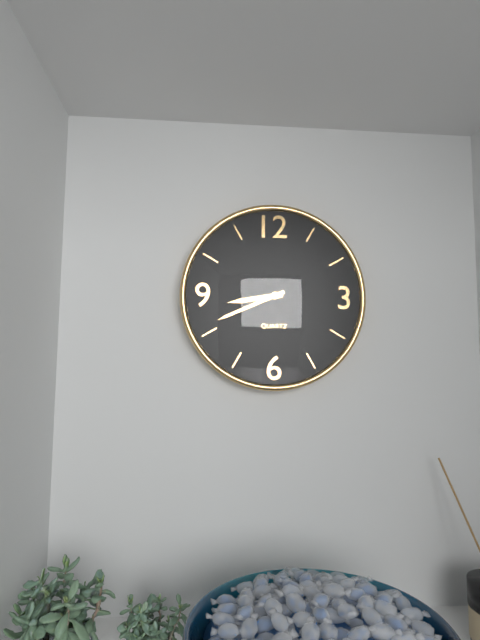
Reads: h=8 m=41
